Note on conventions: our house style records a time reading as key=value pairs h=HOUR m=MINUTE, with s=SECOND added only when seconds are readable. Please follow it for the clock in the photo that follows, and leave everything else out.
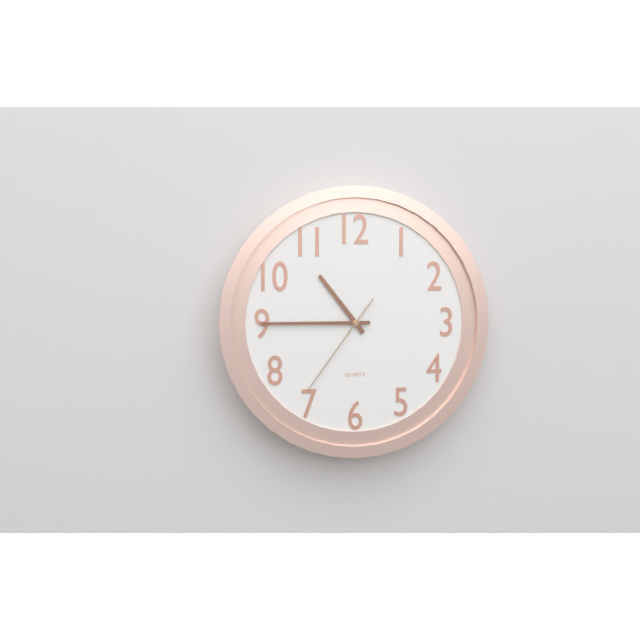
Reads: h=10 m=45 s=36
